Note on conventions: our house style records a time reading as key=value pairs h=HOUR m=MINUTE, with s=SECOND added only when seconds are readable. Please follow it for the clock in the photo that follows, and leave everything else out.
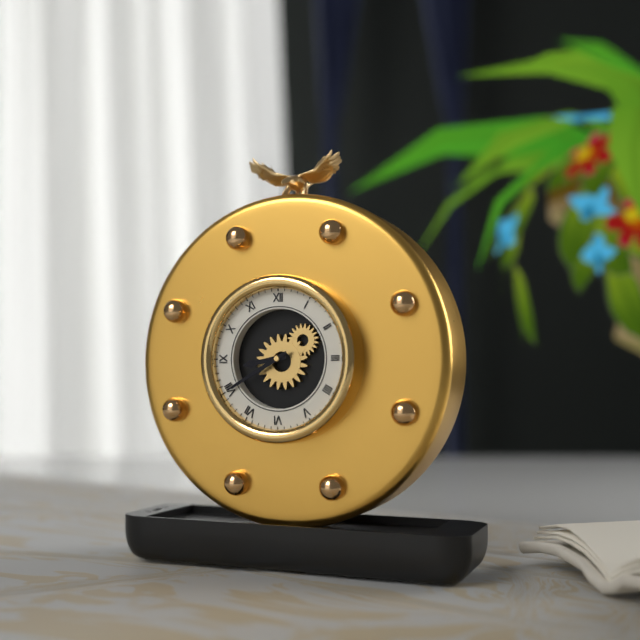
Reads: h=8 m=40
